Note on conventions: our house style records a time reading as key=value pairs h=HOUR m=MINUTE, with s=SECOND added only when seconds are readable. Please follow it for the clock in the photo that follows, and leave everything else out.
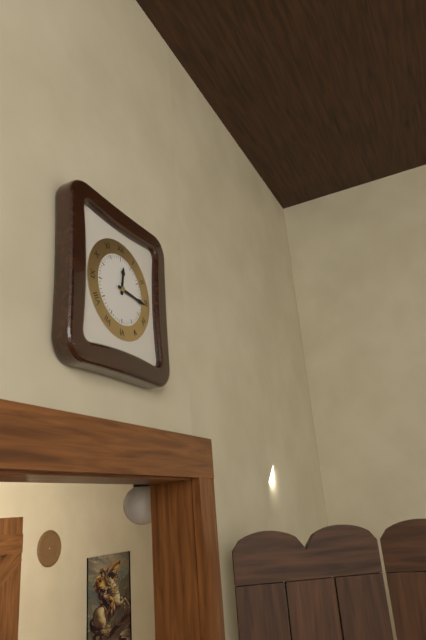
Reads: h=12 m=16
